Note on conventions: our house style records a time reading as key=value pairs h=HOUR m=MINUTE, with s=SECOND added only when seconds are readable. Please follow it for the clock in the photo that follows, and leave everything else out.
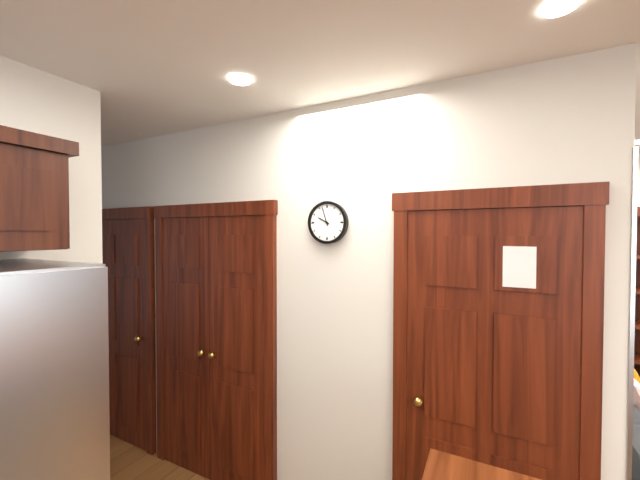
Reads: h=9 m=57
